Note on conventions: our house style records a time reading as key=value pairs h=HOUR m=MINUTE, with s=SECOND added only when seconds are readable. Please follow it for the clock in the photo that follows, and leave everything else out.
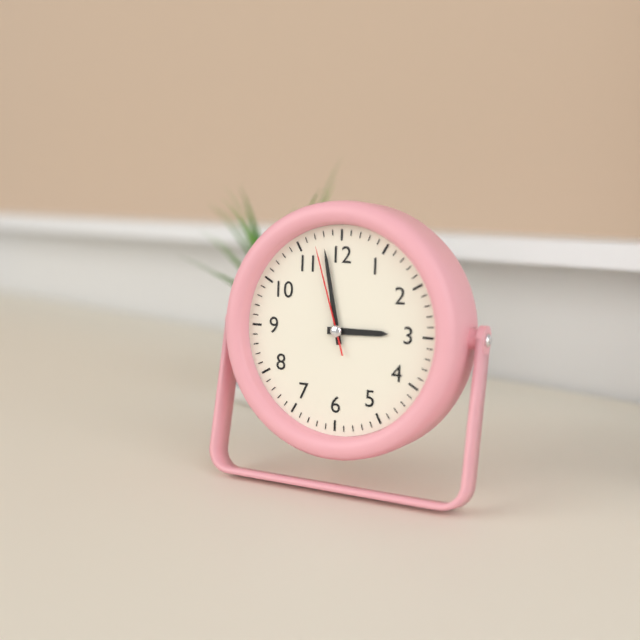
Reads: h=2 m=58 s=57
